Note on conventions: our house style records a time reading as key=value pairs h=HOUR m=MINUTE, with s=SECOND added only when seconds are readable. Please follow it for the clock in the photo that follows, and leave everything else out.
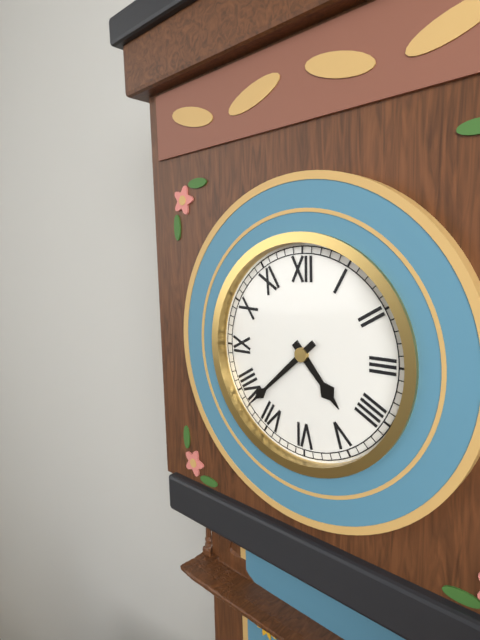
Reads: h=4 m=38
